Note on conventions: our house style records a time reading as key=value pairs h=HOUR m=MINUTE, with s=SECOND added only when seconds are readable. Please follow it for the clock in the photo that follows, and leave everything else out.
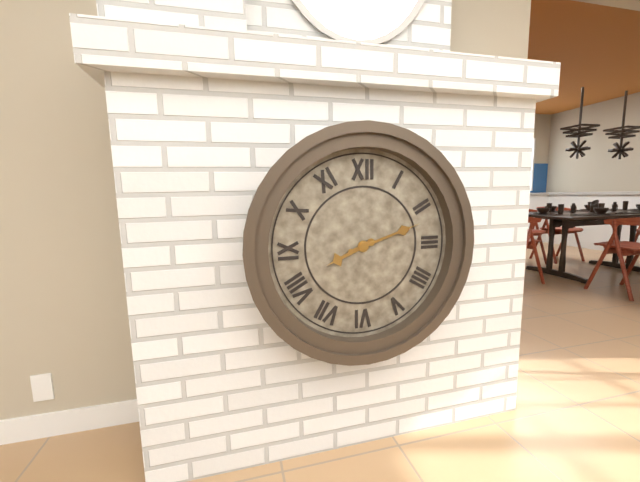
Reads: h=8 m=12
